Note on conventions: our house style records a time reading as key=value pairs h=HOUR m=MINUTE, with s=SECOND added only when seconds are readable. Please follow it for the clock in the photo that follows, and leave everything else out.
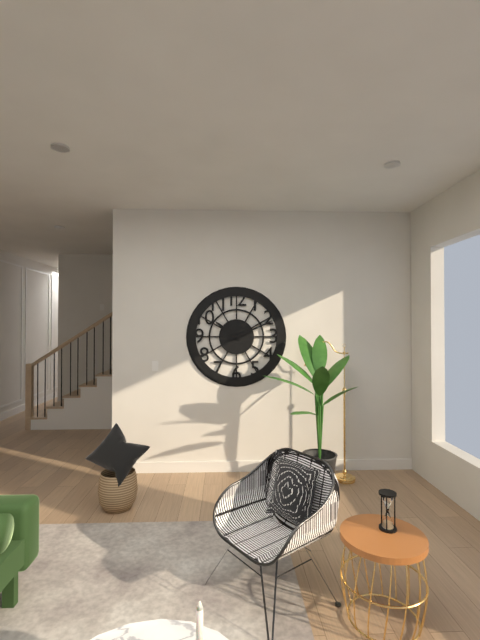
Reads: h=10 m=11
